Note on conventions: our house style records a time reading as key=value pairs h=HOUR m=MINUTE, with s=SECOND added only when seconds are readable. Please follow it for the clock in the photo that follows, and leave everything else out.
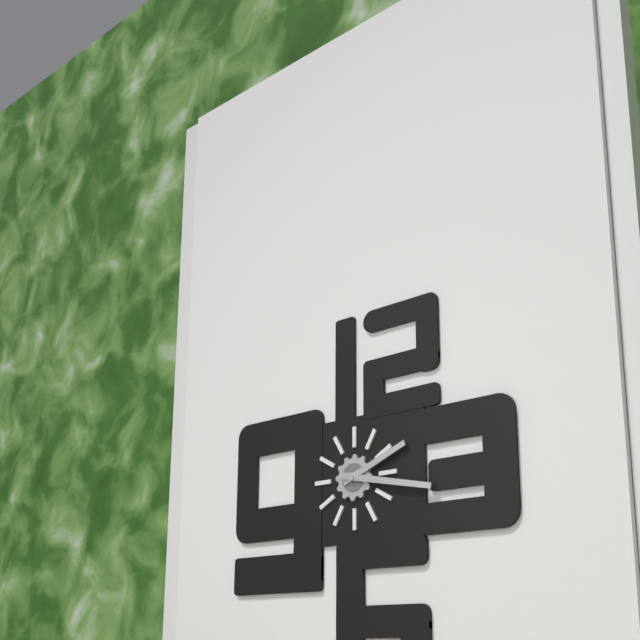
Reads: h=2 m=17
